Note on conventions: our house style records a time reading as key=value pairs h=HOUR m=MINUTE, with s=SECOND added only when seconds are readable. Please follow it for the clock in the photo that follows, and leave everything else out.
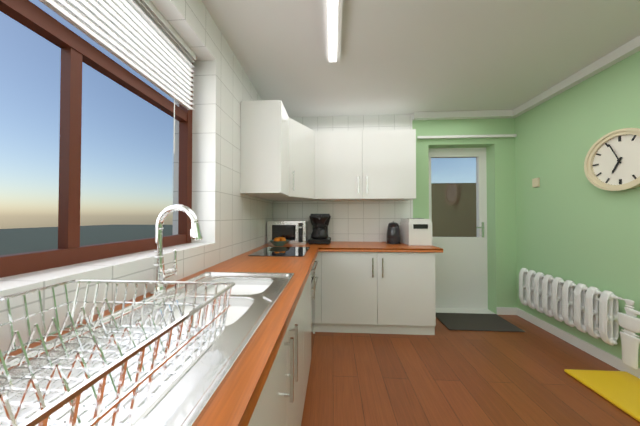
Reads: h=6 m=56
